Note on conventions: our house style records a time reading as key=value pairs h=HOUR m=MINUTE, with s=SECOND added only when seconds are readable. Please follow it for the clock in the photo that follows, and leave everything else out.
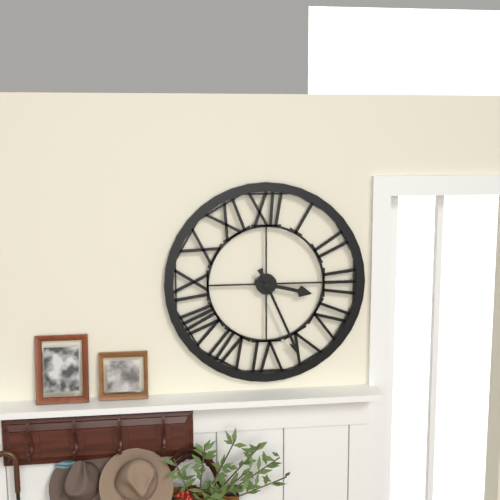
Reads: h=3 m=26
